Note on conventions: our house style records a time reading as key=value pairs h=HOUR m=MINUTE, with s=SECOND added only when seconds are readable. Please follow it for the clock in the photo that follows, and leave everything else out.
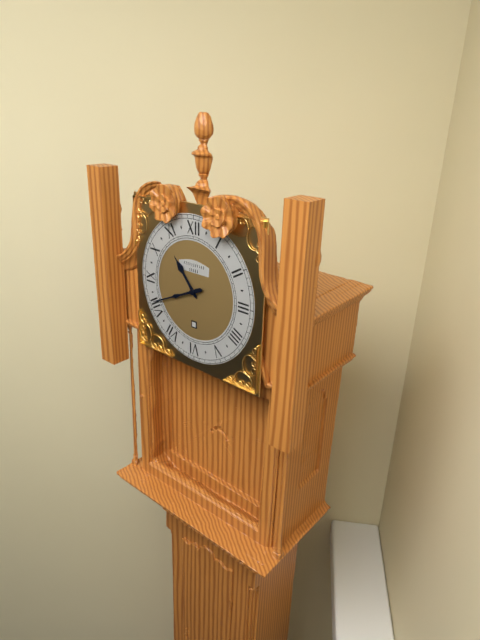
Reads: h=10 m=41
